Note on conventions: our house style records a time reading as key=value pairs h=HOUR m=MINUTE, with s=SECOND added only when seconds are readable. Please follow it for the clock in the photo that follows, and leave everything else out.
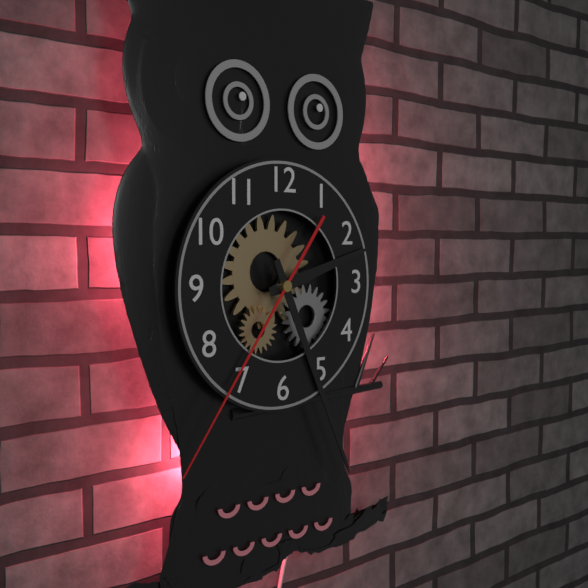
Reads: h=2 m=26 s=36
